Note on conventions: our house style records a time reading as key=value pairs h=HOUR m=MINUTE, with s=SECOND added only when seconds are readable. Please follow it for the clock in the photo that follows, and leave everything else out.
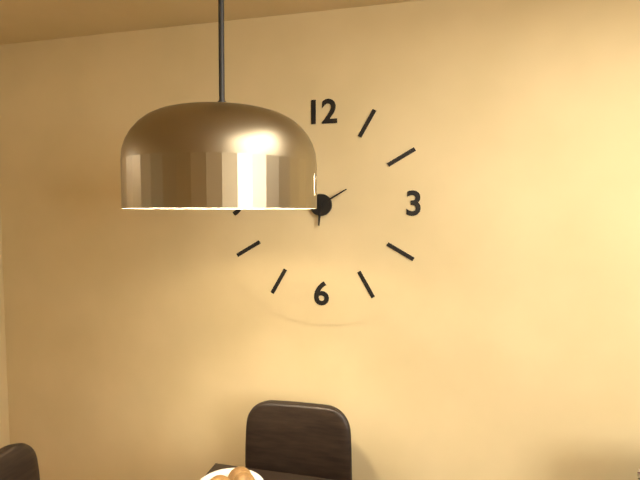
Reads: h=6 m=10
